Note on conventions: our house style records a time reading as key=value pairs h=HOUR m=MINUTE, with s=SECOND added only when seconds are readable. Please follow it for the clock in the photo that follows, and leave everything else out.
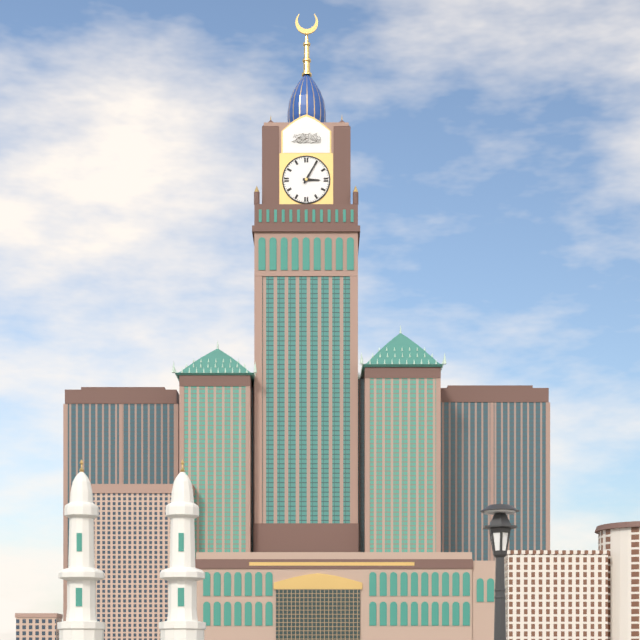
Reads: h=3 m=5
